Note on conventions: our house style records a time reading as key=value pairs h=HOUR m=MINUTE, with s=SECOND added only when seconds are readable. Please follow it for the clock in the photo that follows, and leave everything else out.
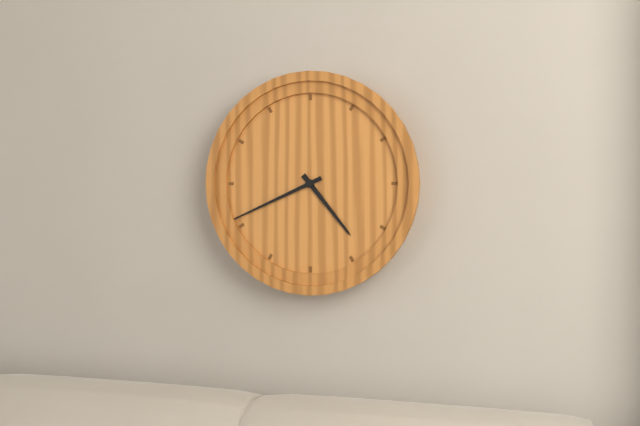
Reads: h=4 m=41
